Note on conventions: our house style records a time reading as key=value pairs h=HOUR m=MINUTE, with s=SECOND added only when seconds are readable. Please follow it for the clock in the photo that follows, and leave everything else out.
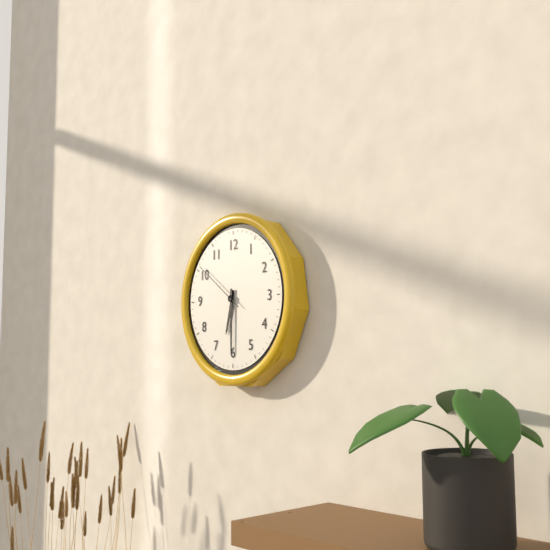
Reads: h=6 m=30 s=51
